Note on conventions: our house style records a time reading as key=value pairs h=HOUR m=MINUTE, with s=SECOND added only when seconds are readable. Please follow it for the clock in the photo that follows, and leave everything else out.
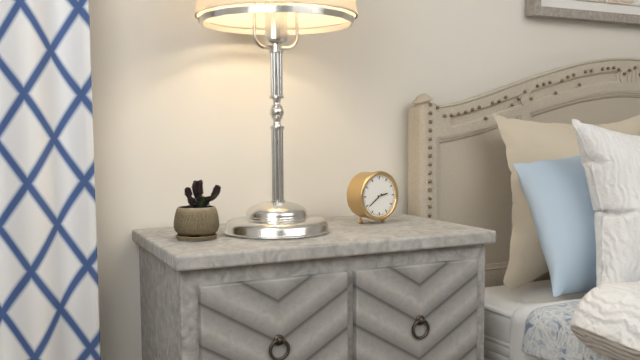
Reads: h=2 m=39
